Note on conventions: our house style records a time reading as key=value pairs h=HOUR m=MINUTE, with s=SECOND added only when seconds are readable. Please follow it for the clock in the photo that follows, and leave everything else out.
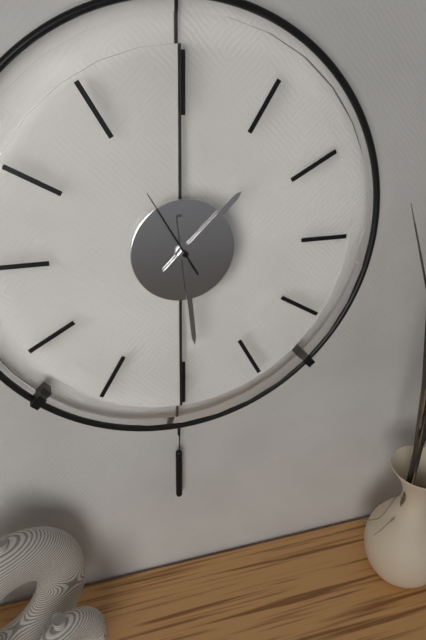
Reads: h=1 m=29 s=55
